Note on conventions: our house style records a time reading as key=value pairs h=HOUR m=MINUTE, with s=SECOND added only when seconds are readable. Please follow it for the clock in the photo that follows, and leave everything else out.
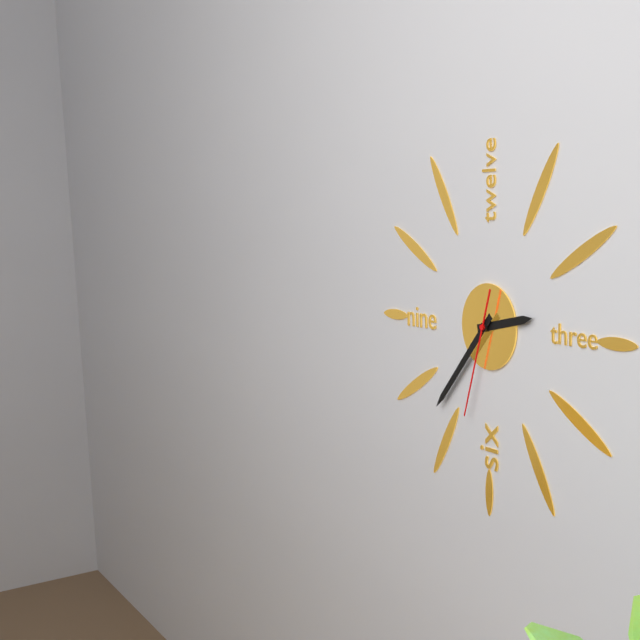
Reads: h=2 m=37 s=33
